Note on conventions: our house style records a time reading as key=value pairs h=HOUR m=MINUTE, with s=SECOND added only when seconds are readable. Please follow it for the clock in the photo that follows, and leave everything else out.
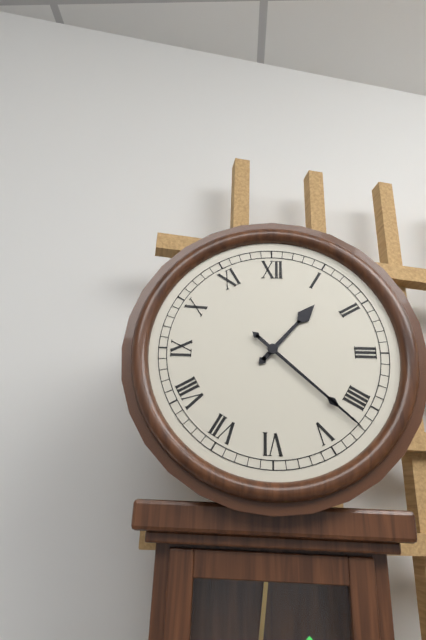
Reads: h=1 m=22
